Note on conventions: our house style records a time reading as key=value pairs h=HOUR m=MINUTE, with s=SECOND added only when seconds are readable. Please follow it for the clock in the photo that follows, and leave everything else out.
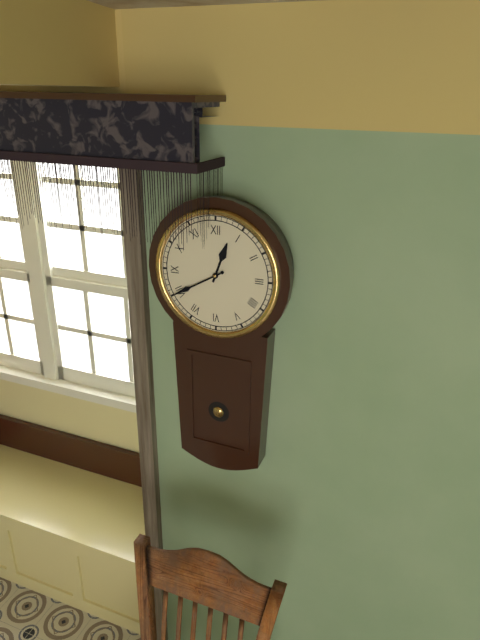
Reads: h=12 m=40
